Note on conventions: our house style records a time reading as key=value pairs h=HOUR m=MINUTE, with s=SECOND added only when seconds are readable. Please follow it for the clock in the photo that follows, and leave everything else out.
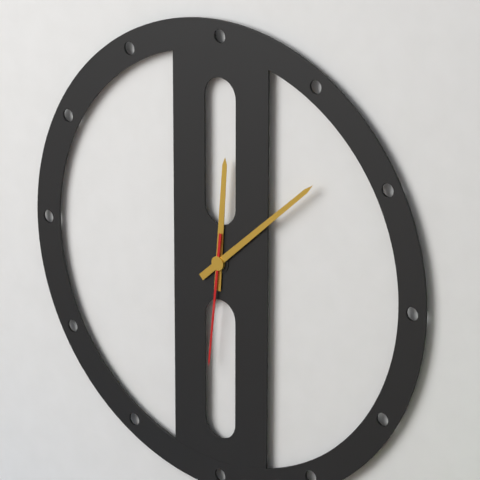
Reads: h=12 m=8 s=31
